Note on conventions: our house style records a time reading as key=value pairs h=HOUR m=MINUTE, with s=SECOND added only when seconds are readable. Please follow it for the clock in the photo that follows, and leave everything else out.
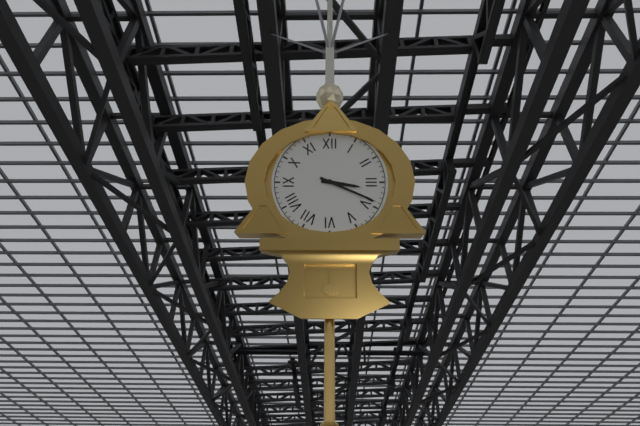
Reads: h=3 m=19
